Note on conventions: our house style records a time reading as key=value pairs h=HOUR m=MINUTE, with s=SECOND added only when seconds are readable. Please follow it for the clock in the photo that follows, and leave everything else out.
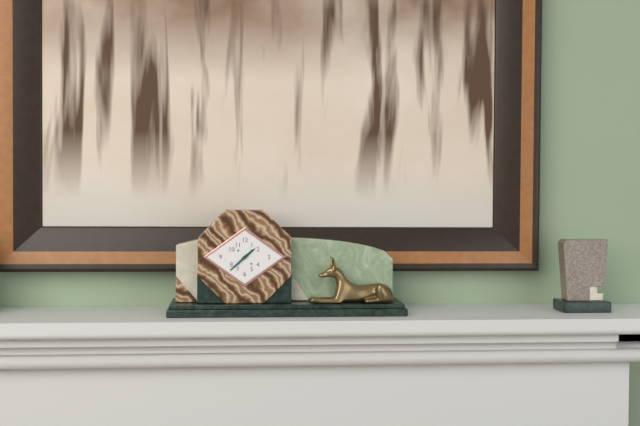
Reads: h=1 m=38
